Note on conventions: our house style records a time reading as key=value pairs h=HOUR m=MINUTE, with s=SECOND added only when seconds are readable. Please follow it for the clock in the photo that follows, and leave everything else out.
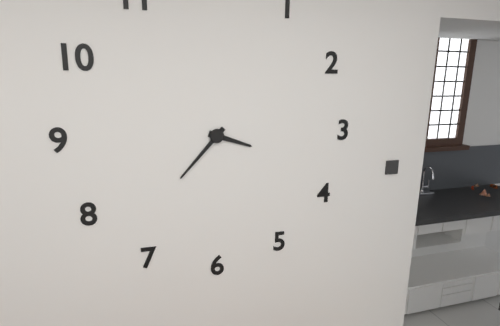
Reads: h=3 m=37
